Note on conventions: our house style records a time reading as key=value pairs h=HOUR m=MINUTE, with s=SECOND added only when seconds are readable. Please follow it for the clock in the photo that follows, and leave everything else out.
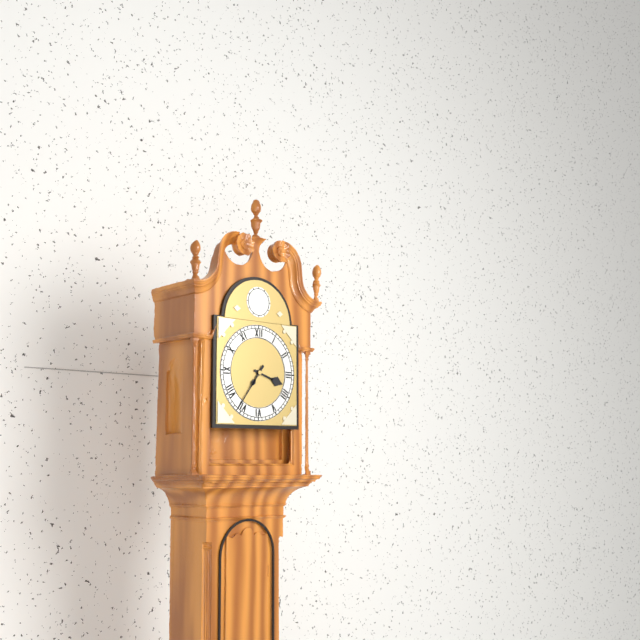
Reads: h=3 m=36
